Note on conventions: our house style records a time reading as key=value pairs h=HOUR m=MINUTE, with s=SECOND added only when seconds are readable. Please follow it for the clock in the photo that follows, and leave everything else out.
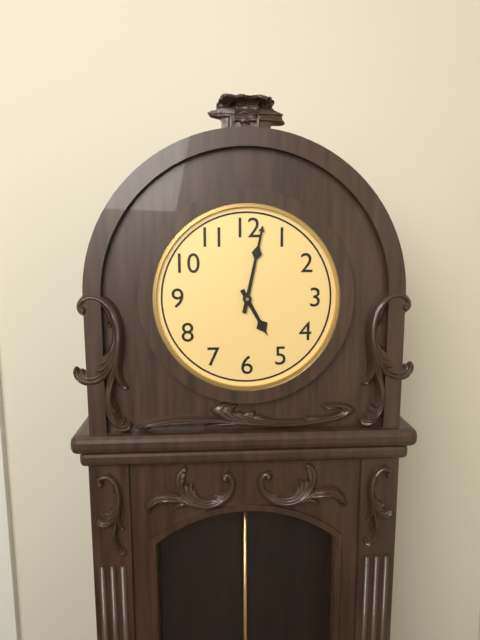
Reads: h=5 m=2
